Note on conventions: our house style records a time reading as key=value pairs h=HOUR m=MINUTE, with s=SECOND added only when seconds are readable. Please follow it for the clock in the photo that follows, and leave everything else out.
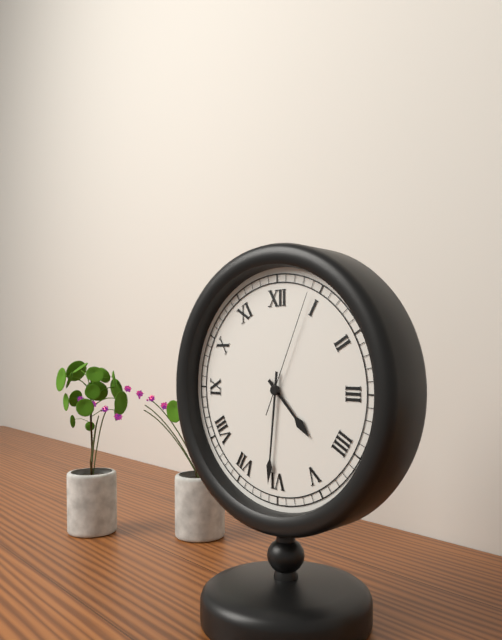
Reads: h=4 m=31 s=4
